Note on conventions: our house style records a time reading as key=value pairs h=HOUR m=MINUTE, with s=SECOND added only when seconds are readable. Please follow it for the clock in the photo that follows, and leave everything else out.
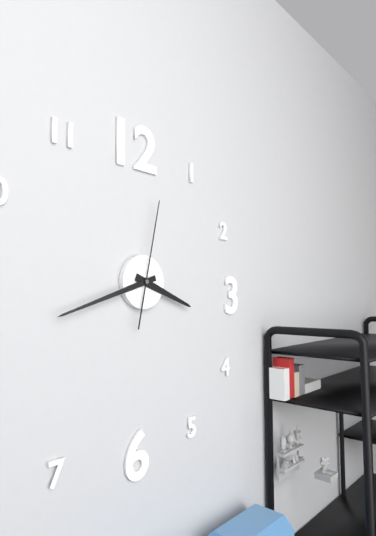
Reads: h=3 m=42 s=2
